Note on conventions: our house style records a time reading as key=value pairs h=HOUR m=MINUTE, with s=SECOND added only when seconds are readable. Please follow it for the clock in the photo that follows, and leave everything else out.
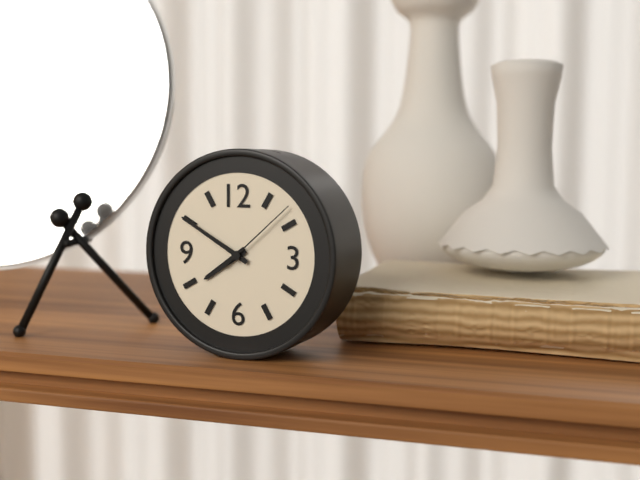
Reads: h=7 m=50 s=8
